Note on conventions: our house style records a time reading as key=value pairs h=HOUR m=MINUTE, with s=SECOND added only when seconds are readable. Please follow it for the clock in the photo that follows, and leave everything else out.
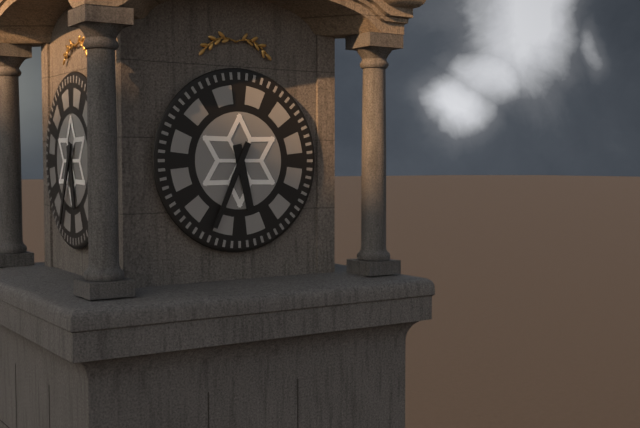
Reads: h=5 m=34
